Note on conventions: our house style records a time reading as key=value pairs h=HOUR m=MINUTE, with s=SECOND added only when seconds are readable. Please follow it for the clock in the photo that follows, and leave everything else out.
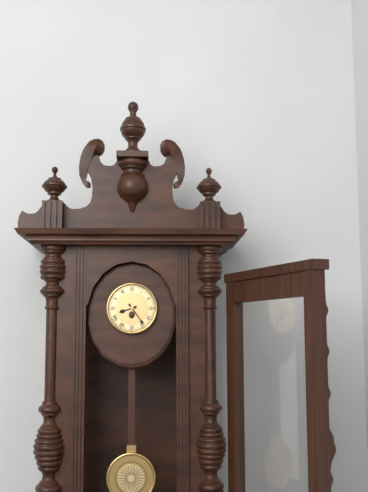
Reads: h=8 m=24
